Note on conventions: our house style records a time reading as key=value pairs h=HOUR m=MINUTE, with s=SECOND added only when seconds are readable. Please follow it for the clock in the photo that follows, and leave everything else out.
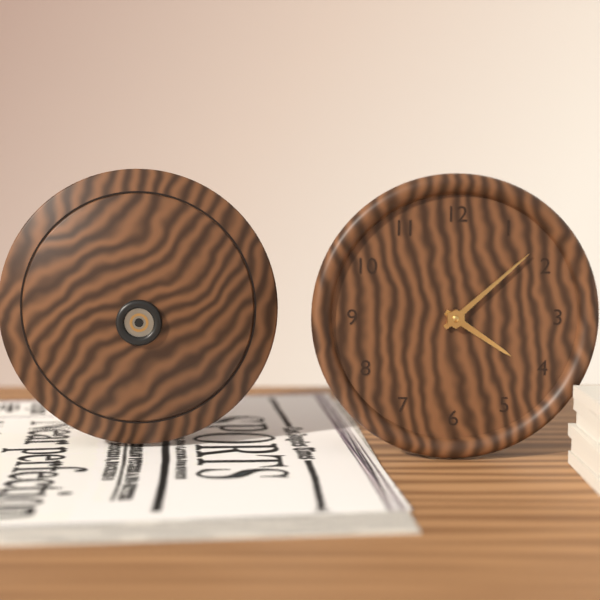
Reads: h=4 m=8
